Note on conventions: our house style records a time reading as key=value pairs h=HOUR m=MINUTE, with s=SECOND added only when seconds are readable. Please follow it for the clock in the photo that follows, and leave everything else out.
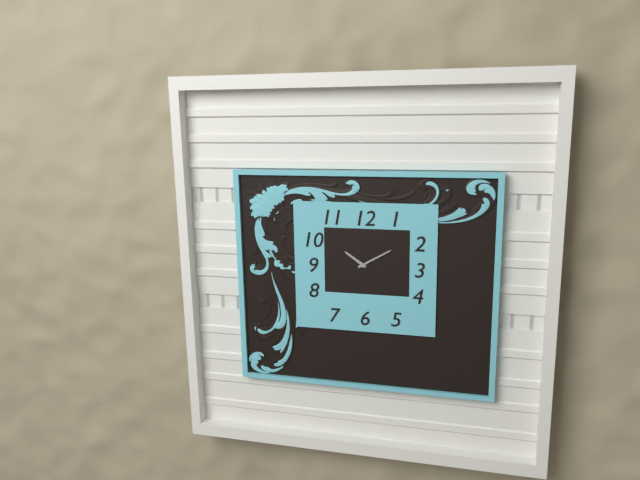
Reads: h=10 m=10
